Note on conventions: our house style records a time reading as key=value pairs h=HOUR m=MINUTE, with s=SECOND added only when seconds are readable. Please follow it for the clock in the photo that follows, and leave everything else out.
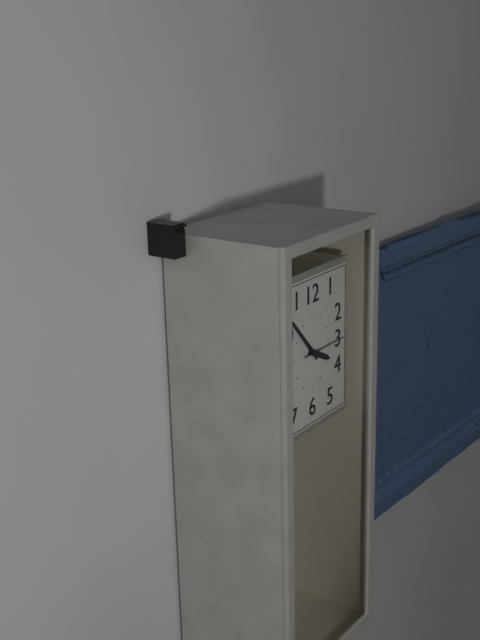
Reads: h=3 m=53
